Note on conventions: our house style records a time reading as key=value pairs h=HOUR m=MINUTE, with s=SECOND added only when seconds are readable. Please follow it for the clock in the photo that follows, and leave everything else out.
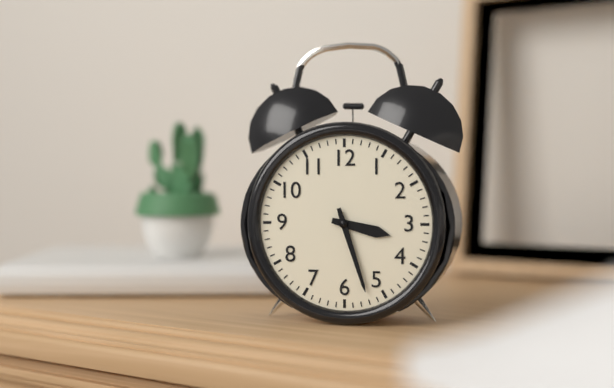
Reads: h=3 m=27
